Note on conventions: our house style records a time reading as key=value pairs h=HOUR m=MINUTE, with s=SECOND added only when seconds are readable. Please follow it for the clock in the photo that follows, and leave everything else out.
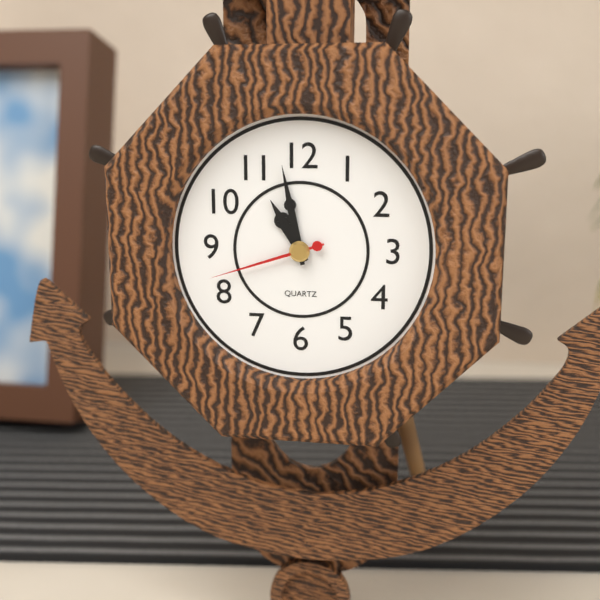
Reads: h=10 m=58 s=42
